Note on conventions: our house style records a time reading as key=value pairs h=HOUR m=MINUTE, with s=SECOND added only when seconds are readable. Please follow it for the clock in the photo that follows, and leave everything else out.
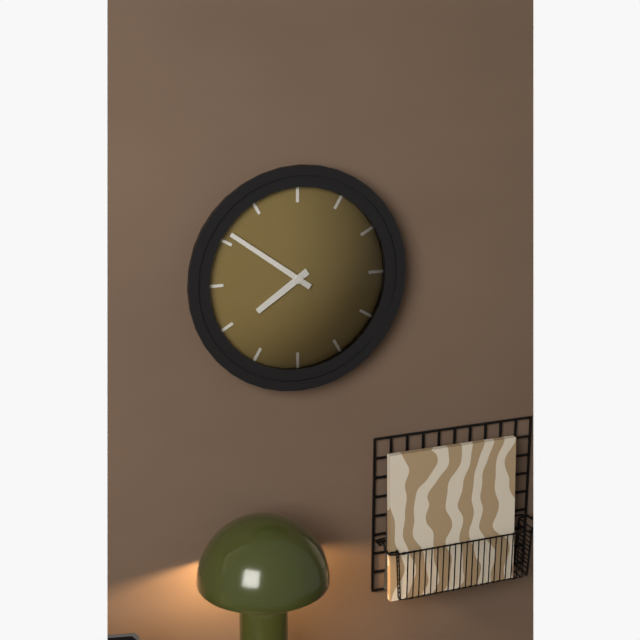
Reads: h=7 m=51
